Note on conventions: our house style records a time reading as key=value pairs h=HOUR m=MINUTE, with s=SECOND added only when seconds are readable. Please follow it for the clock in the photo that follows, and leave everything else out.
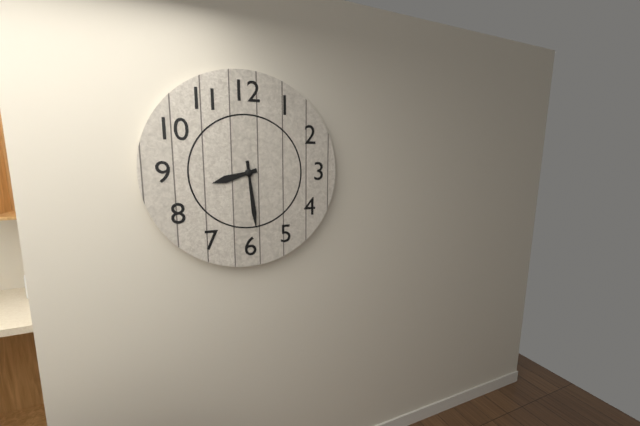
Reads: h=8 m=29
